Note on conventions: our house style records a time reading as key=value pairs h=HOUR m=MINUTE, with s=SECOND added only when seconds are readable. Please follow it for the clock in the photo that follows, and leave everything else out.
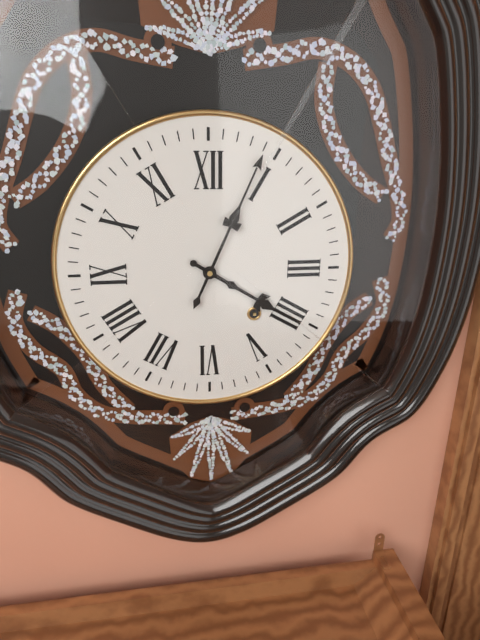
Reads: h=4 m=4
